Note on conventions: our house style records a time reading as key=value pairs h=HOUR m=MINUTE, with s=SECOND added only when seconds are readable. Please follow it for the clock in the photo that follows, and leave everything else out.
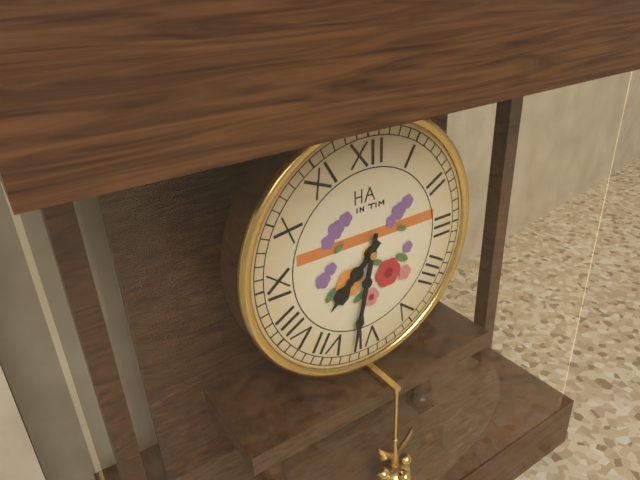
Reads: h=7 m=32
